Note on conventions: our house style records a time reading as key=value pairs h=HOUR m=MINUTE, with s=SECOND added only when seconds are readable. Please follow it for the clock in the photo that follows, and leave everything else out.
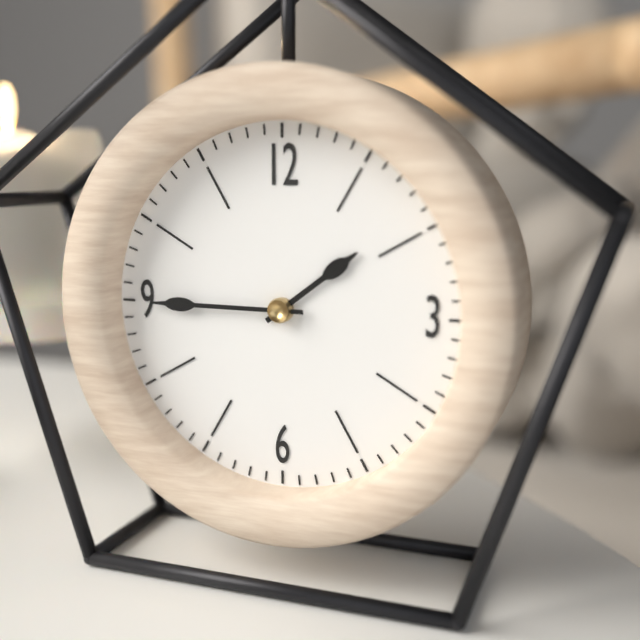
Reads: h=1 m=45
